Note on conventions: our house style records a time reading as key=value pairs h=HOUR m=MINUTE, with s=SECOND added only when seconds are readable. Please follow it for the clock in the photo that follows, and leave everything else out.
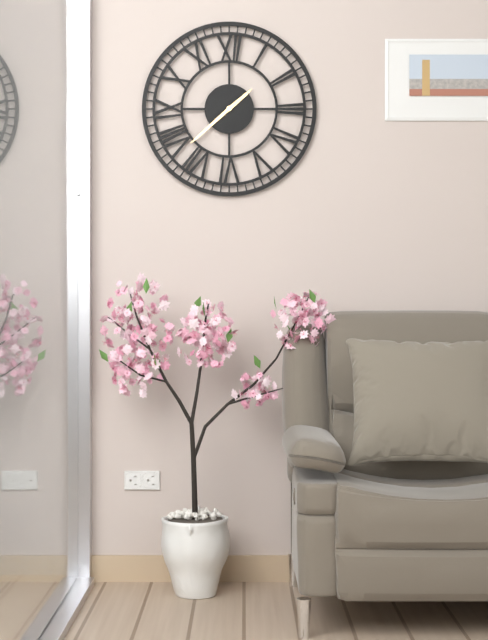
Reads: h=1 m=38
